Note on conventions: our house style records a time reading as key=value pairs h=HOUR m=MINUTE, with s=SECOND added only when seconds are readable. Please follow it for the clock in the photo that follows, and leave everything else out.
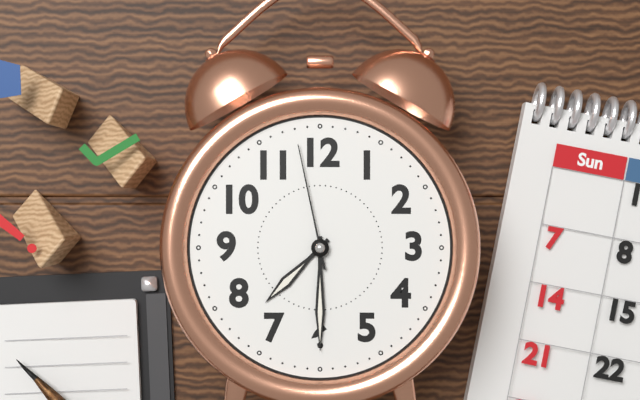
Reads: h=7 m=30 s=58
